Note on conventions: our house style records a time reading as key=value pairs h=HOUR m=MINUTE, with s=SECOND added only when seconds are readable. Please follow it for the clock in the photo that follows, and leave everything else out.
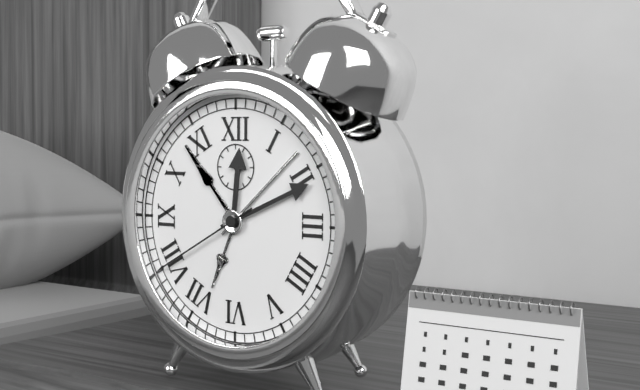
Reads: h=12 m=11 s=40
